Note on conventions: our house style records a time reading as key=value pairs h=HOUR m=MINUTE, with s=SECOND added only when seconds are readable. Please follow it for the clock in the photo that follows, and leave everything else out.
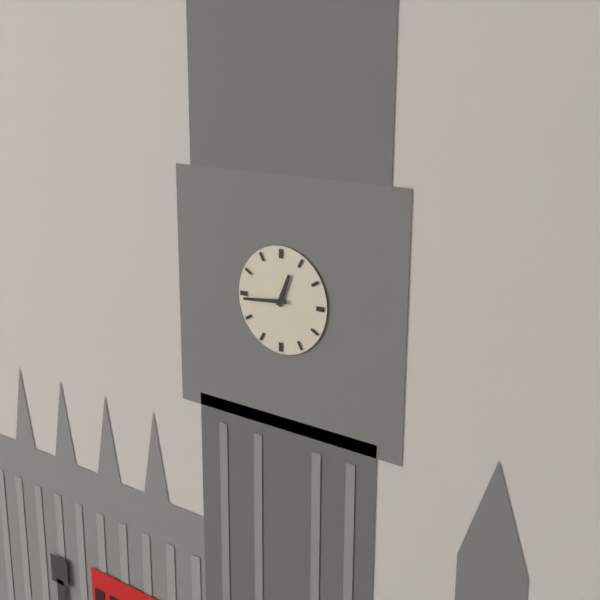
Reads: h=12 m=44
